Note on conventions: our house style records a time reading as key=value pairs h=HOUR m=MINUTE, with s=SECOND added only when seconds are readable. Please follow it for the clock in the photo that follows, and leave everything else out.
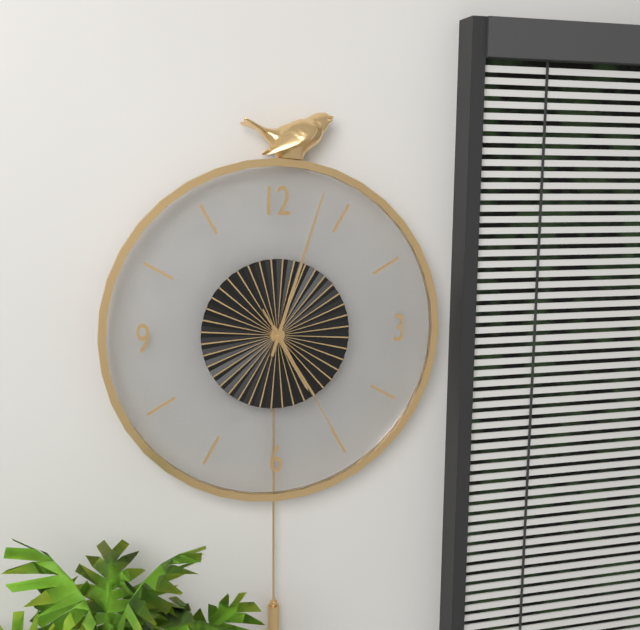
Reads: h=5 m=3 s=25
